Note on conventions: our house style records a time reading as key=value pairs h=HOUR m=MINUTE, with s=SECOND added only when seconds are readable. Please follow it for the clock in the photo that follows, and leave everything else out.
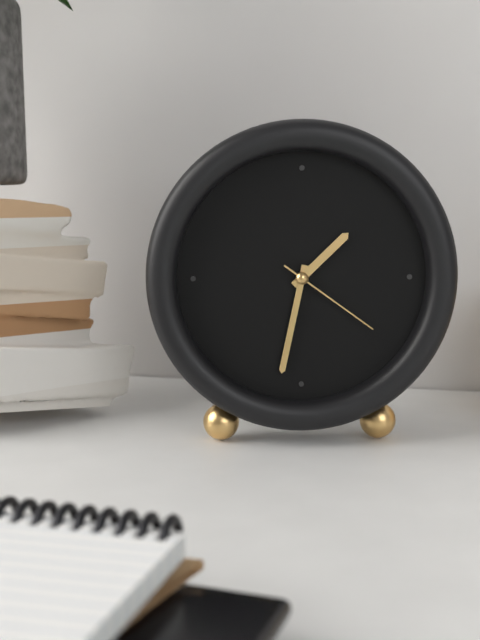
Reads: h=1 m=32 s=21
